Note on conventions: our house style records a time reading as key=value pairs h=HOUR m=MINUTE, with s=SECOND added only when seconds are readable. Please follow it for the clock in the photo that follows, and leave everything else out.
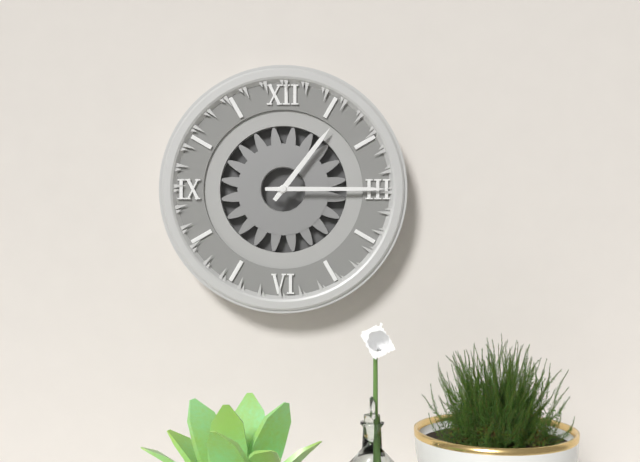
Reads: h=1 m=15
